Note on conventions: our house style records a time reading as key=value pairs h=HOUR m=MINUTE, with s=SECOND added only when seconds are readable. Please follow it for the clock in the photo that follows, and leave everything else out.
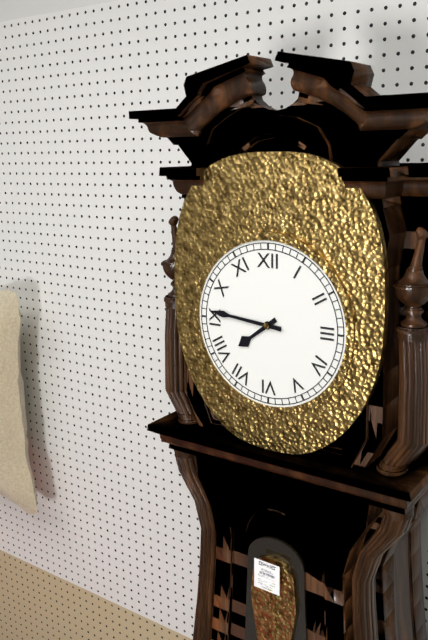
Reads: h=7 m=46
